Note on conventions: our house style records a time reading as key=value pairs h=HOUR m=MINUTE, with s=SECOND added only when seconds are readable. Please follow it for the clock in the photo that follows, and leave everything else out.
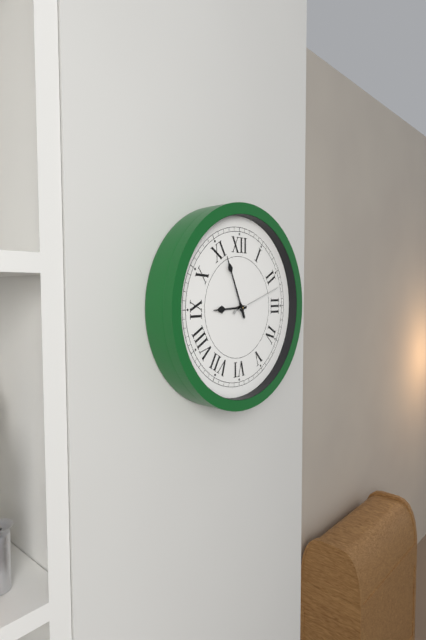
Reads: h=8 m=56 s=12
